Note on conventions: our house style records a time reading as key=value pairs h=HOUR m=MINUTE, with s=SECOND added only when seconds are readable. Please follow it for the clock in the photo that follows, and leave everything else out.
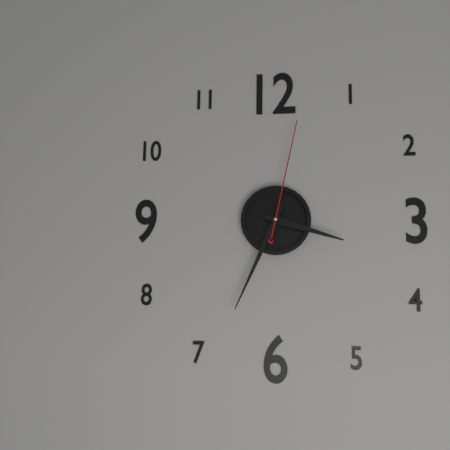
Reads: h=3 m=34 s=2
